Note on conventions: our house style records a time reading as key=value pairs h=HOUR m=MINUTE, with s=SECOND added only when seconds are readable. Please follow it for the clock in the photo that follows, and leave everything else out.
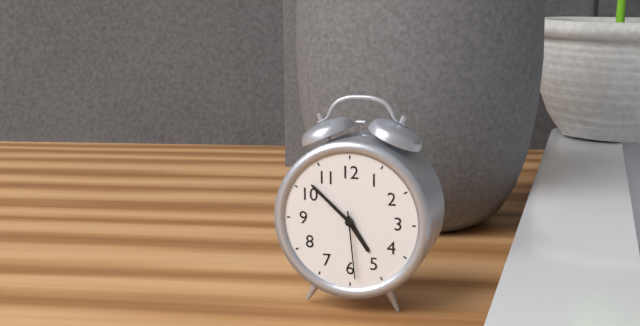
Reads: h=4 m=52 s=29
